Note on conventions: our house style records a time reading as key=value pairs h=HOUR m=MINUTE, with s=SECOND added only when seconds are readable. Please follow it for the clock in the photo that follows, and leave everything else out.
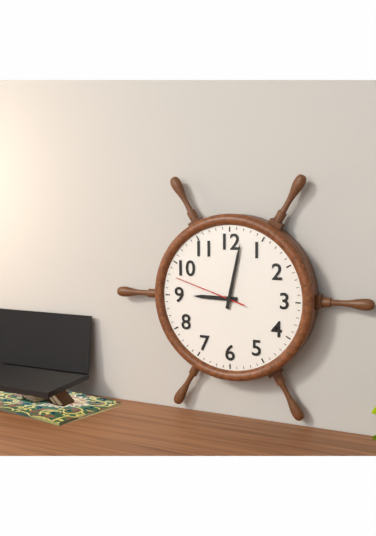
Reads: h=9 m=2 s=48
